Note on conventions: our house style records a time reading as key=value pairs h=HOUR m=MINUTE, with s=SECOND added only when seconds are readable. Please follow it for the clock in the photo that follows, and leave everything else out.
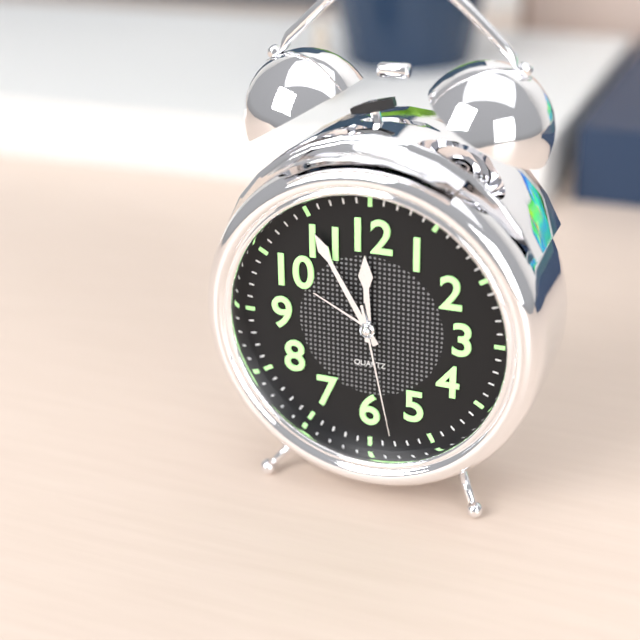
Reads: h=11 m=55 s=28
